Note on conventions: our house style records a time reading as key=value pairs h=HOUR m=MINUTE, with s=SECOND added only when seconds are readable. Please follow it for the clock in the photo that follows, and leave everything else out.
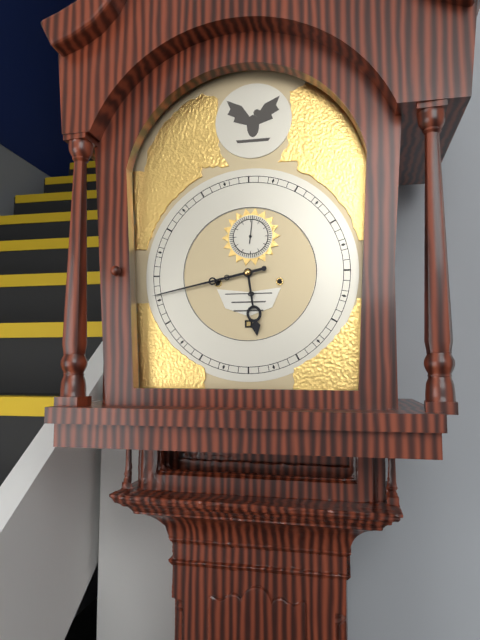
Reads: h=5 m=43
